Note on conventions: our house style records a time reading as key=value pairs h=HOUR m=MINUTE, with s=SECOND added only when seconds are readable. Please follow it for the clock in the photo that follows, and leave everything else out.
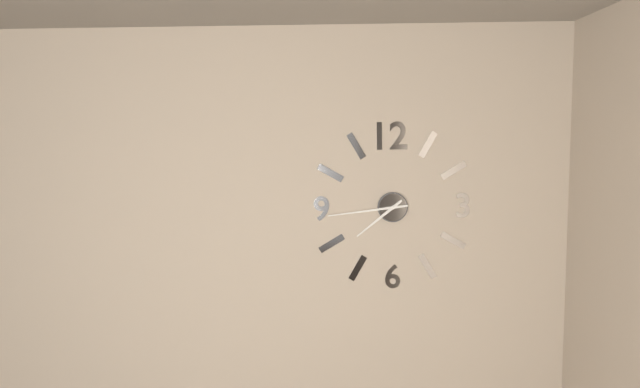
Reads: h=7 m=44
